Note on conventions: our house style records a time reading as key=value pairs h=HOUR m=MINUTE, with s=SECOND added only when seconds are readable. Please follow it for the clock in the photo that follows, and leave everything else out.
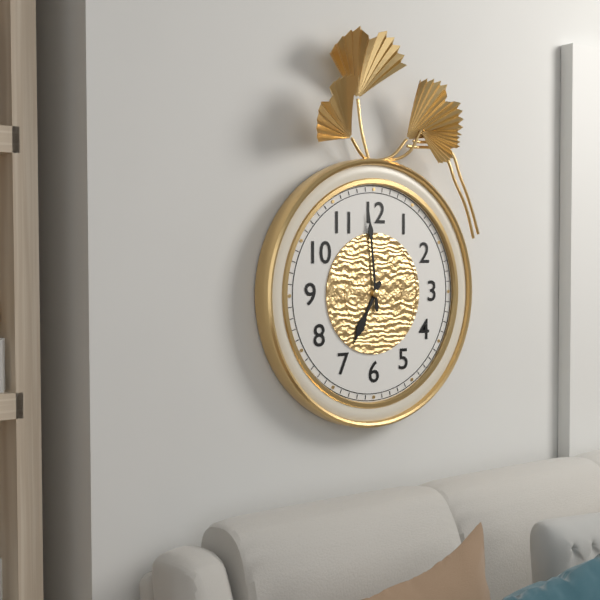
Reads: h=6 m=59
